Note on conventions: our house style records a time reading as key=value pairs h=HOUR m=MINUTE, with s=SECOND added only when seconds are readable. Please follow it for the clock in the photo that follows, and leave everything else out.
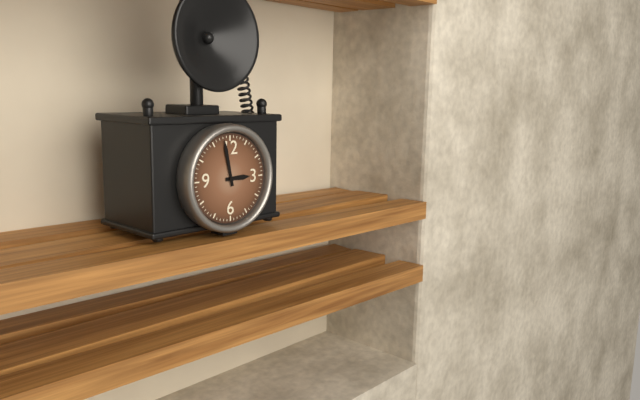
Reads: h=2 m=58
